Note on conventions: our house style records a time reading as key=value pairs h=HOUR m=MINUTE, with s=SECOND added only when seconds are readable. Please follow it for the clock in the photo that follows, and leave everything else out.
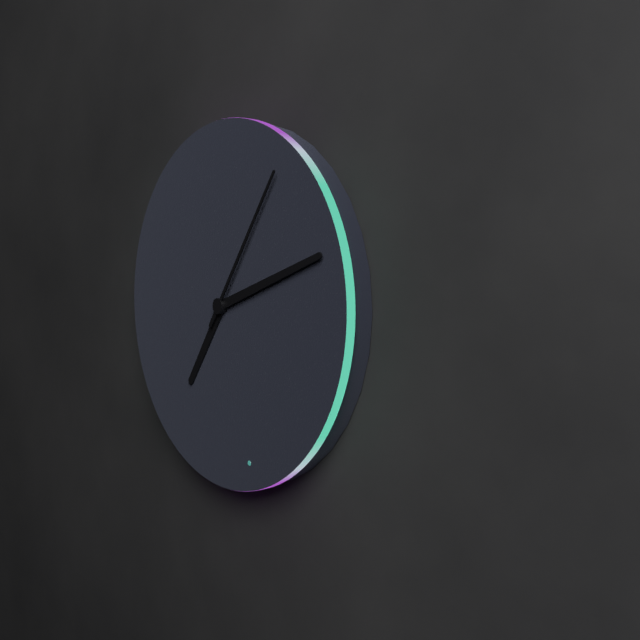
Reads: h=7 m=12 s=6
